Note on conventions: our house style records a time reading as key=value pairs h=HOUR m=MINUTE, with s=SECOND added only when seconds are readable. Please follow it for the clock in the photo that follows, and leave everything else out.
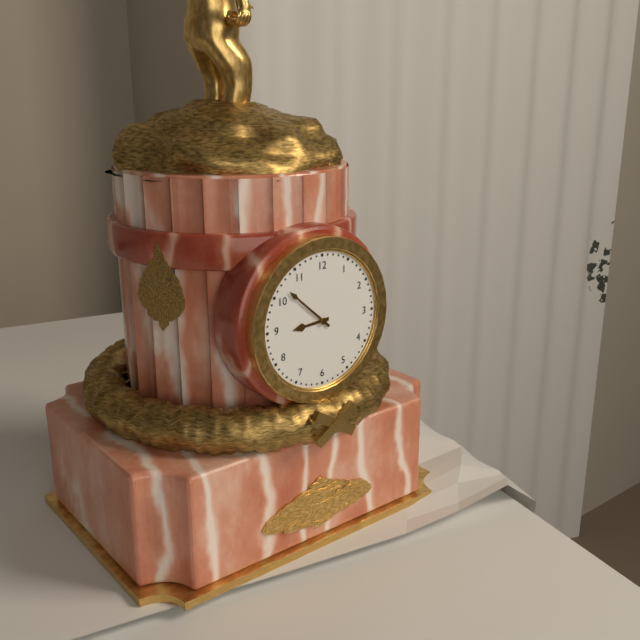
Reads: h=8 m=52
